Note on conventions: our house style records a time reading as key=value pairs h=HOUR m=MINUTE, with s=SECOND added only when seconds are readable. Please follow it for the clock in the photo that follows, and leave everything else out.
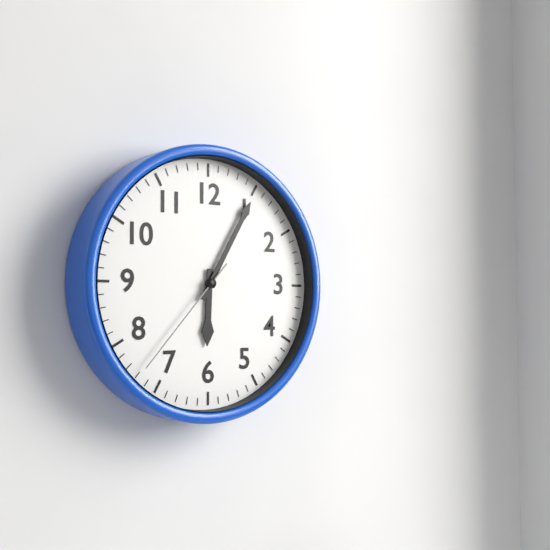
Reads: h=6 m=5 s=37
